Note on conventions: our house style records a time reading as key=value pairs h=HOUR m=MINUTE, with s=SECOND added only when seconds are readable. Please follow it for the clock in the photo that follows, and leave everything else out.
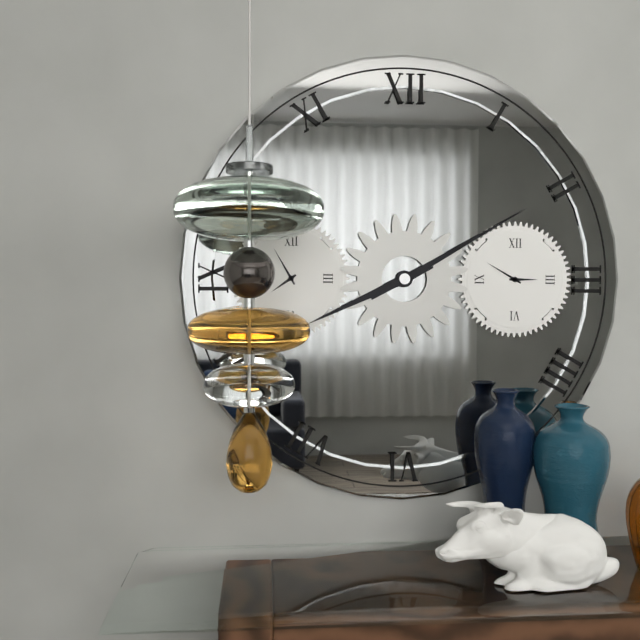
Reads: h=8 m=10
